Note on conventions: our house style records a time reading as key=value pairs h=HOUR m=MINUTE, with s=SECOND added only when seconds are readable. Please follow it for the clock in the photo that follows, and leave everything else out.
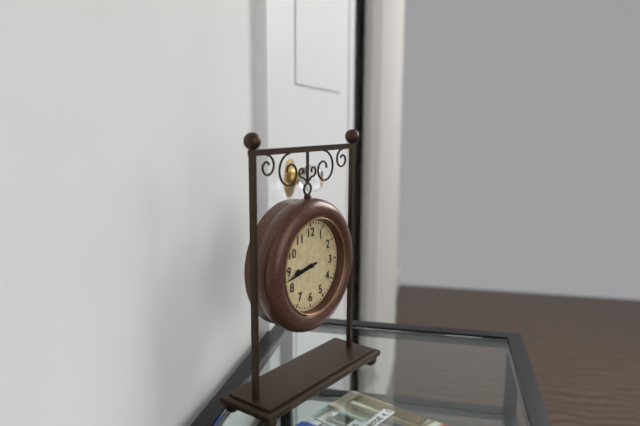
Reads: h=8 m=43
